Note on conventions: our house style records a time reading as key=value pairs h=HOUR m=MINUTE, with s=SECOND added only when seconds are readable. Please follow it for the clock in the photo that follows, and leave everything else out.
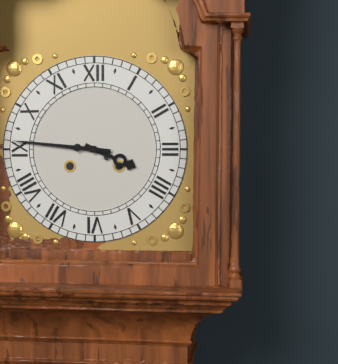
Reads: h=3 m=46
